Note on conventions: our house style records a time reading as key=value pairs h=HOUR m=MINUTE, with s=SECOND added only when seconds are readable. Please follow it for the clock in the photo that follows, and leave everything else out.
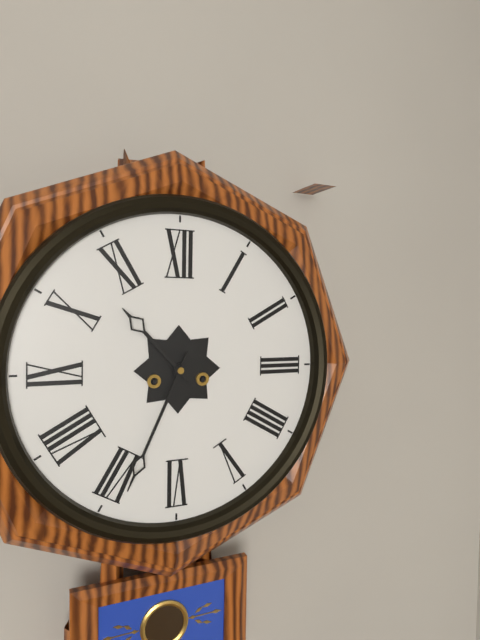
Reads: h=10 m=34
